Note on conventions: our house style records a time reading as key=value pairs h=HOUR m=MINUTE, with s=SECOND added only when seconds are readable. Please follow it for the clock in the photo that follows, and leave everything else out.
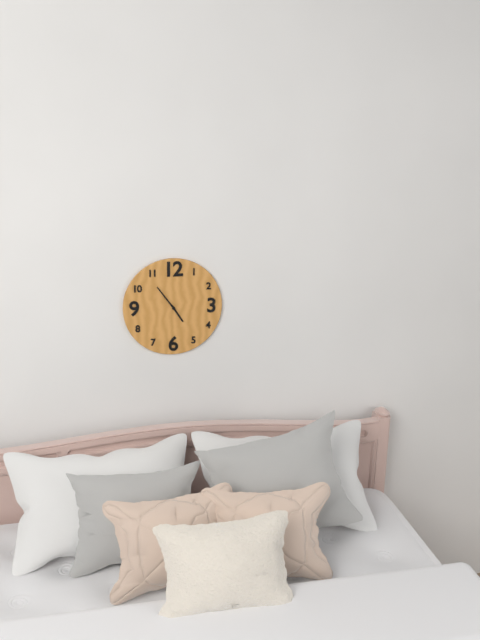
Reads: h=4 m=54
